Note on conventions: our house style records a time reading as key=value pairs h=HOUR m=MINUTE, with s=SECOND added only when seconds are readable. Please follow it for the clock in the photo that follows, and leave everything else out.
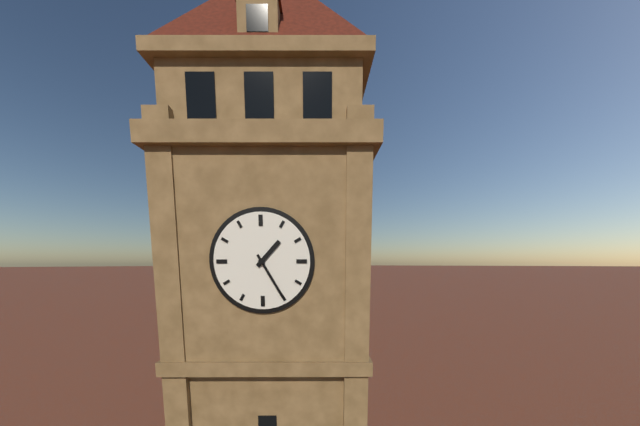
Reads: h=1 m=25
